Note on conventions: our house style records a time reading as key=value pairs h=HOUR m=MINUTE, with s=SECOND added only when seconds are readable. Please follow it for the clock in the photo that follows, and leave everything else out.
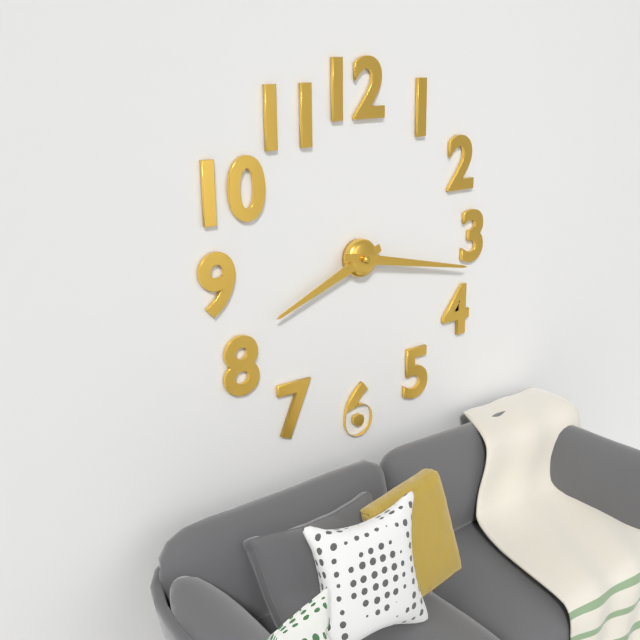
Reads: h=8 m=17
